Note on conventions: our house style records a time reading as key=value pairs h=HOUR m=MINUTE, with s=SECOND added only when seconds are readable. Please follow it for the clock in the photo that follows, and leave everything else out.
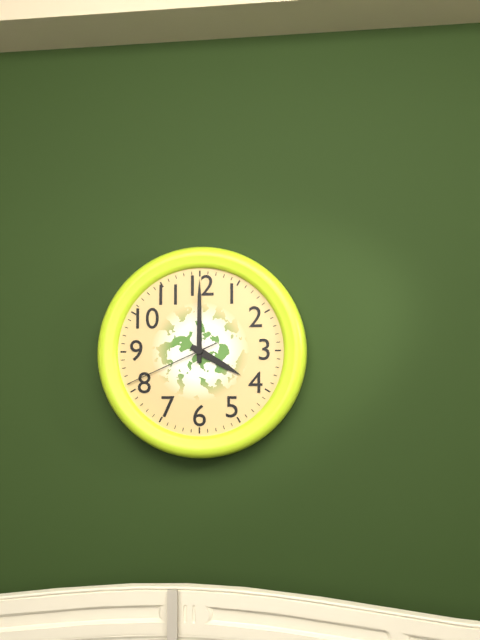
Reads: h=4 m=0 s=41
